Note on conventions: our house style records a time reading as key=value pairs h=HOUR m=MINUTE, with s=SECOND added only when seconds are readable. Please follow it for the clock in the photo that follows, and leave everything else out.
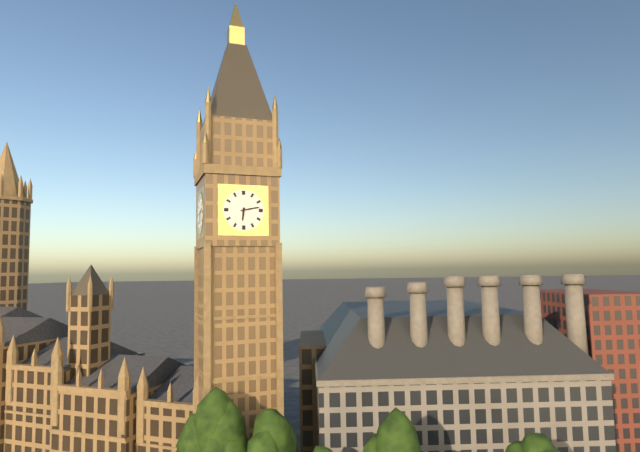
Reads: h=6 m=13
